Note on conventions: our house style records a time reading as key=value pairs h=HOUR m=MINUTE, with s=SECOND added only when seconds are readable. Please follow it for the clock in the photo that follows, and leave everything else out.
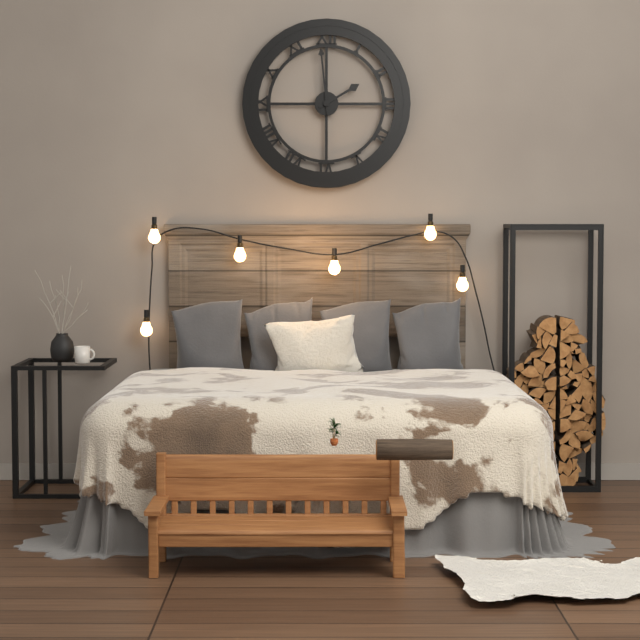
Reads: h=1 m=59
